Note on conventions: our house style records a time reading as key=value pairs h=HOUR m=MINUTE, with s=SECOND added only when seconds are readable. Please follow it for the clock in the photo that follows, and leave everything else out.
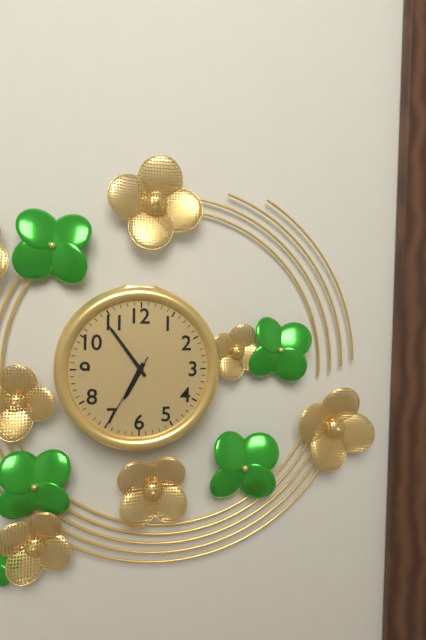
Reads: h=6 m=54 s=35
